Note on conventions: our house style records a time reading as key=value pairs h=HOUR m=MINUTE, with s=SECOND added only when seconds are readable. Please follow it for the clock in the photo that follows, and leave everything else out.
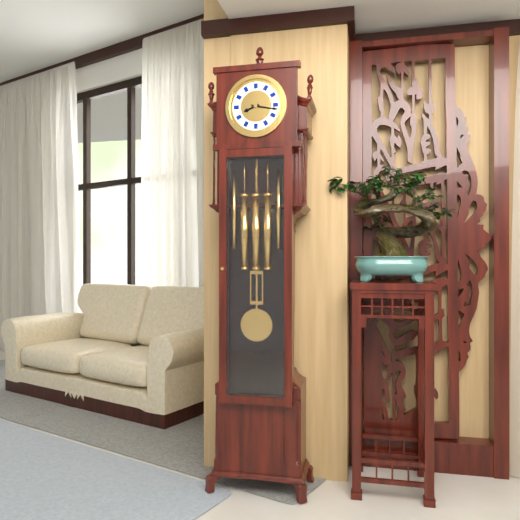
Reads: h=8 m=17
